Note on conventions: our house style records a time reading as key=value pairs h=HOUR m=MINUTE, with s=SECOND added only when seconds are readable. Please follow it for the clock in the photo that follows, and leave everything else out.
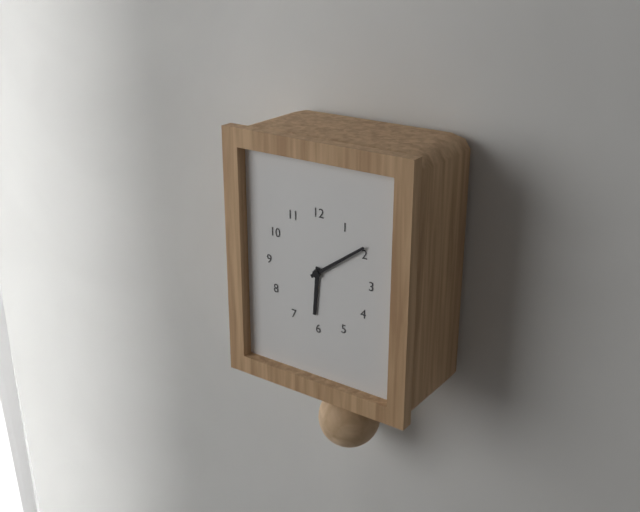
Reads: h=6 m=9
